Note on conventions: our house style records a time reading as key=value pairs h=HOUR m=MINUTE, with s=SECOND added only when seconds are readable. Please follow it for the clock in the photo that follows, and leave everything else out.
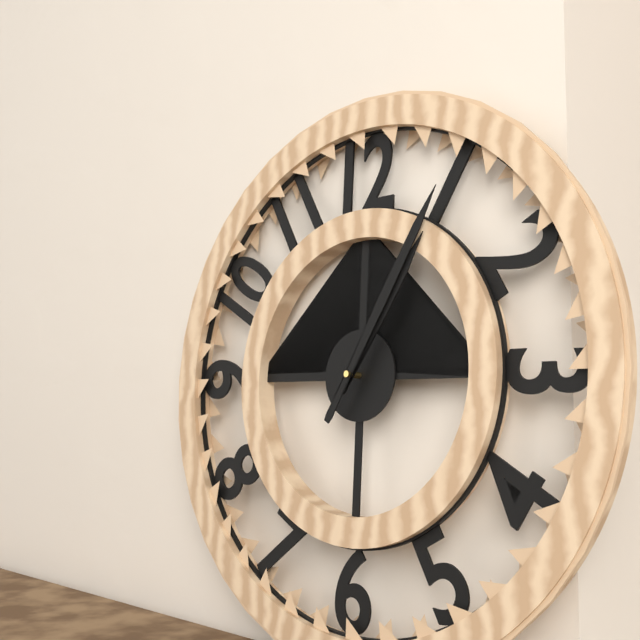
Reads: h=1 m=5
